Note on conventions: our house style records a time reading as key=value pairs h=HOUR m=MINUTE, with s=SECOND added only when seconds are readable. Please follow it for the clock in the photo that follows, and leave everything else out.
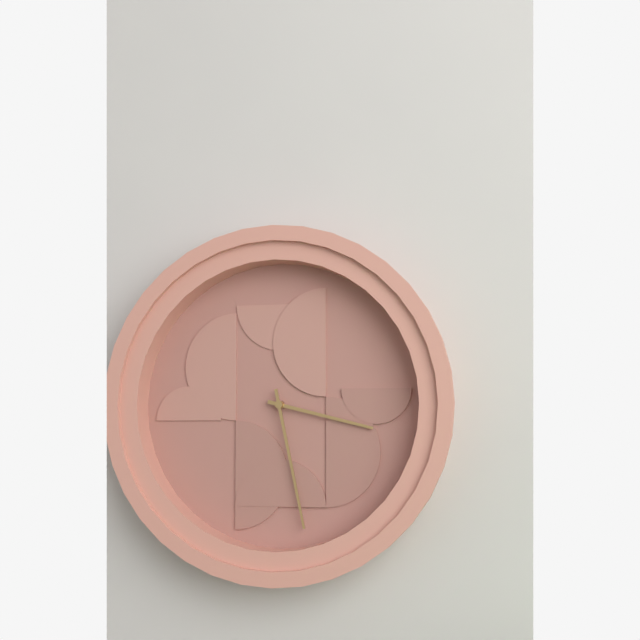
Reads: h=3 m=28
